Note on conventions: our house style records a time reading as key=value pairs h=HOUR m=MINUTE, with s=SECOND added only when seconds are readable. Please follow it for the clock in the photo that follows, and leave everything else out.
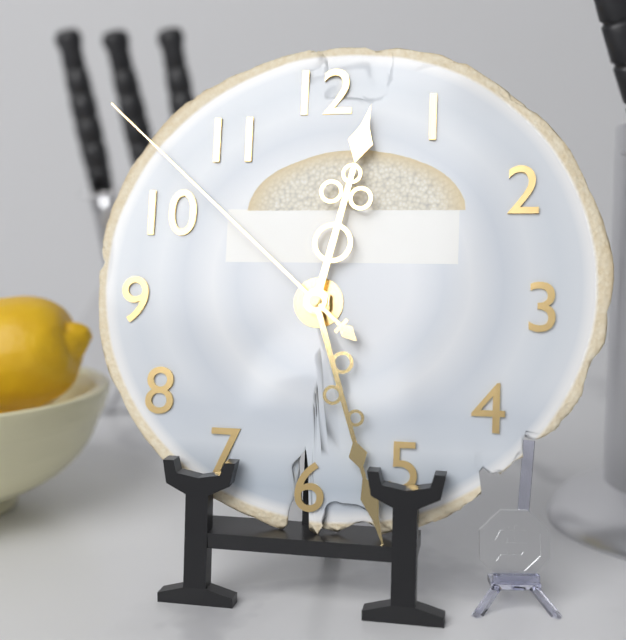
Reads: h=12 m=27 s=52
